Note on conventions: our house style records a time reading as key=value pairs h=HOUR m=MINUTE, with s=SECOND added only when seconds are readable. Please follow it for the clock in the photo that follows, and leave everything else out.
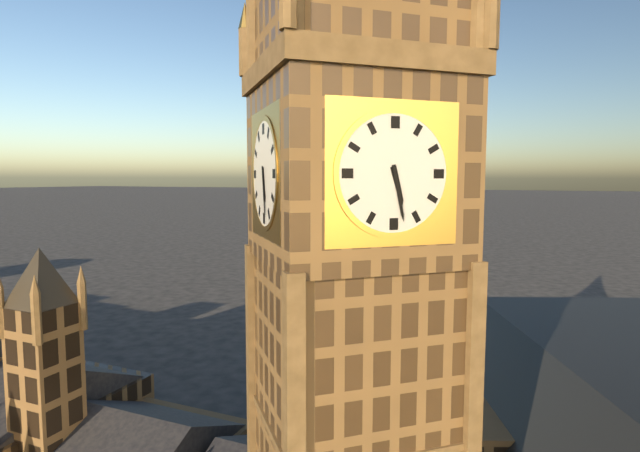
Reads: h=5 m=28
